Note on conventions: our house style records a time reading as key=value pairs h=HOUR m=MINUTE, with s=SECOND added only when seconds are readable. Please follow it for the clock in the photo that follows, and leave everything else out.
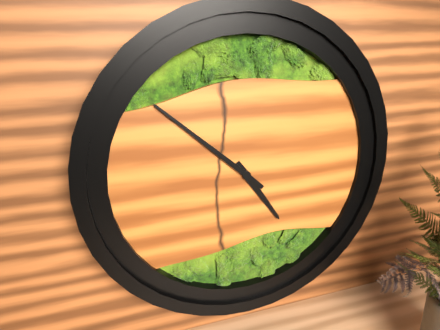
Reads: h=4 m=52
